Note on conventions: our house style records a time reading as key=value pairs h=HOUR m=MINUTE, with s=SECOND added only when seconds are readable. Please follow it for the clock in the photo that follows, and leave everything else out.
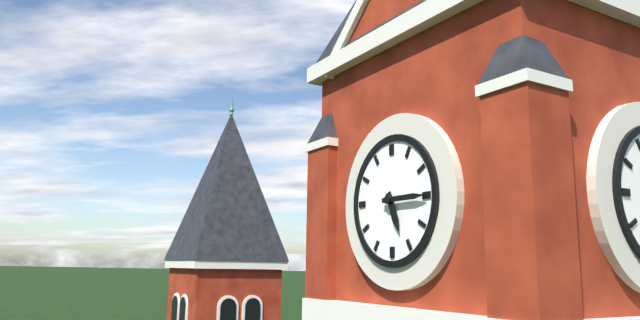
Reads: h=5 m=15
